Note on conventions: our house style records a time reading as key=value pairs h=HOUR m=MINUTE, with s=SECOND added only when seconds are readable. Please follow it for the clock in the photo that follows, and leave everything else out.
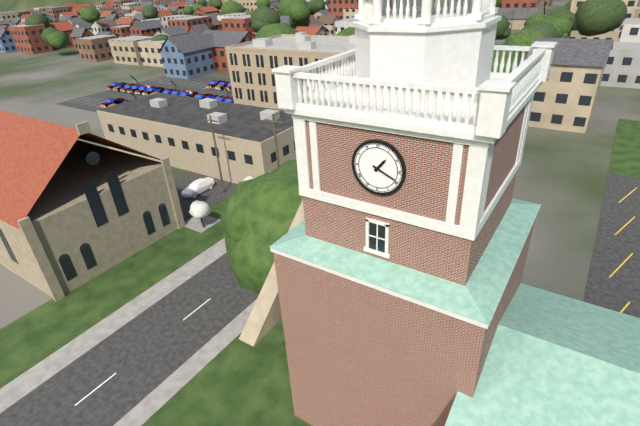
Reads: h=1 m=19
